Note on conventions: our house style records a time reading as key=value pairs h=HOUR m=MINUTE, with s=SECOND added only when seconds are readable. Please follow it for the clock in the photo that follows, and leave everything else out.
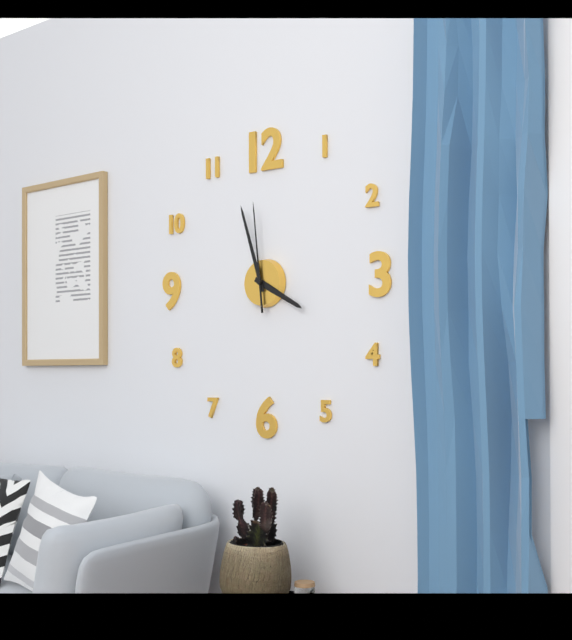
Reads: h=3 m=57 s=59
